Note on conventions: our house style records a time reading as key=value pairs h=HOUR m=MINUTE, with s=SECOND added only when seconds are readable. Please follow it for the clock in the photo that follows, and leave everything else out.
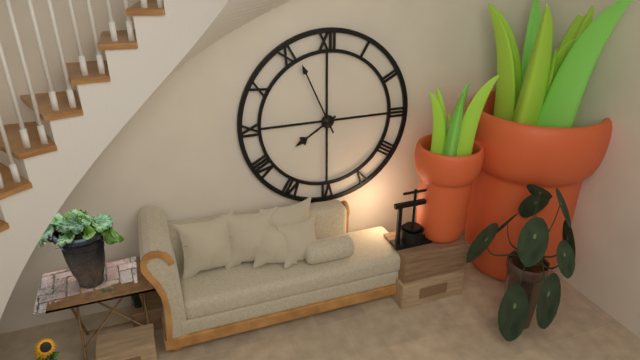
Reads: h=7 m=56
